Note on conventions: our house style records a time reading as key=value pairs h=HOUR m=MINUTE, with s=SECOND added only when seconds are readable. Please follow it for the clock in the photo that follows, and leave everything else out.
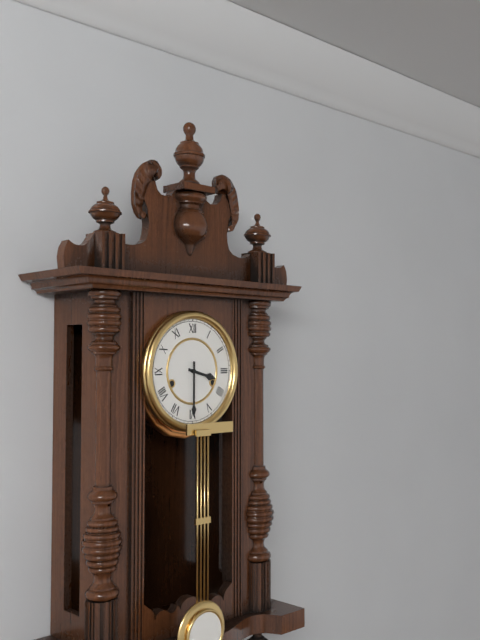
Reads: h=3 m=30
